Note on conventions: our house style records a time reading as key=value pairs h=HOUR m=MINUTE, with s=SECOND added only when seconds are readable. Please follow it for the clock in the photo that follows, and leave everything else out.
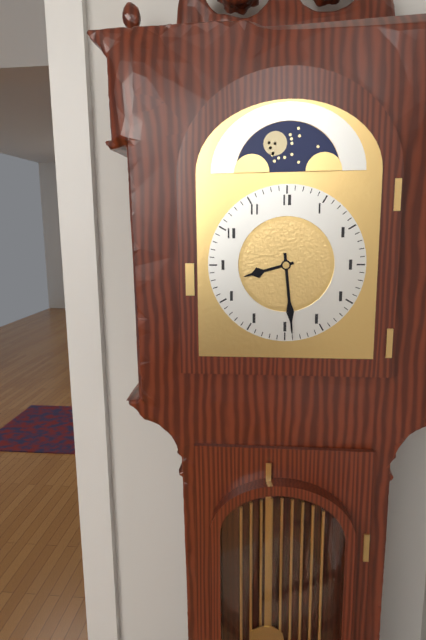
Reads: h=8 m=29
